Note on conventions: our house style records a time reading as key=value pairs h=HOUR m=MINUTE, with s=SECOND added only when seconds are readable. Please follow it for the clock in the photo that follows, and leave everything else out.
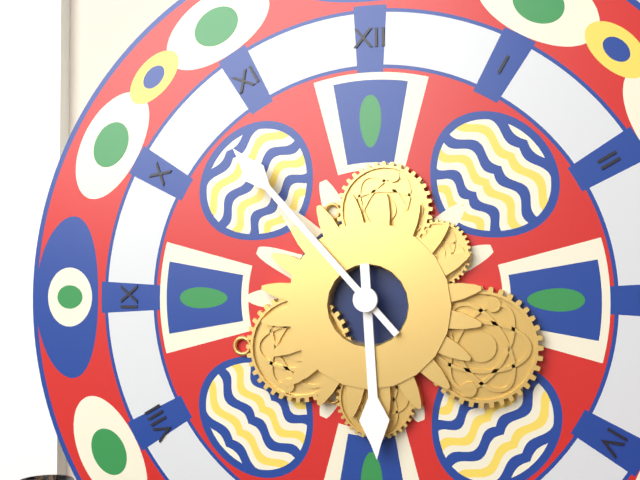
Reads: h=5 m=53
